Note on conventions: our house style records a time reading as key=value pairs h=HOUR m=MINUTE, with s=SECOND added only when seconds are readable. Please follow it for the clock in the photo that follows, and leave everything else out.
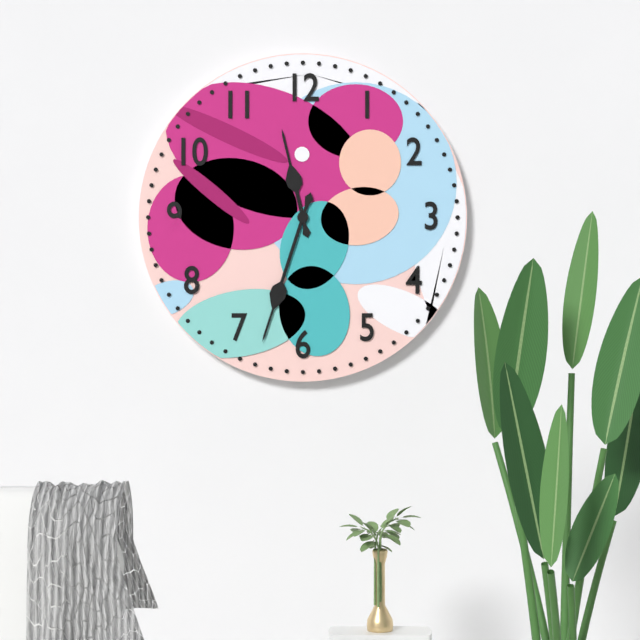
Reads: h=11 m=33
